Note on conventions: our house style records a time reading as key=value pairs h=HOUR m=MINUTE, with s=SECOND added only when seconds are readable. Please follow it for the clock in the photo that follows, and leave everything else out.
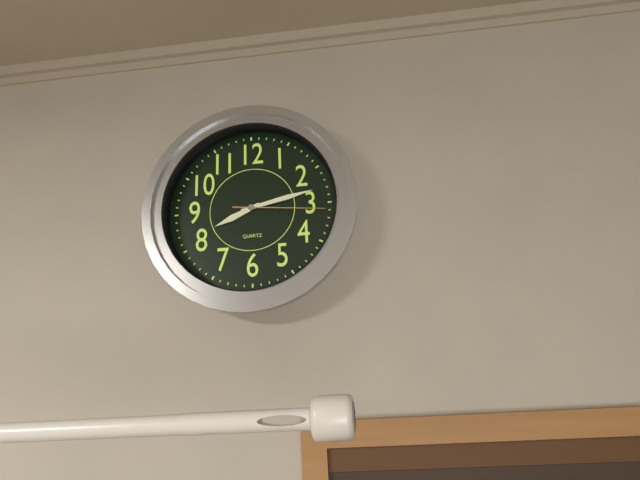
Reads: h=8 m=13 s=16
